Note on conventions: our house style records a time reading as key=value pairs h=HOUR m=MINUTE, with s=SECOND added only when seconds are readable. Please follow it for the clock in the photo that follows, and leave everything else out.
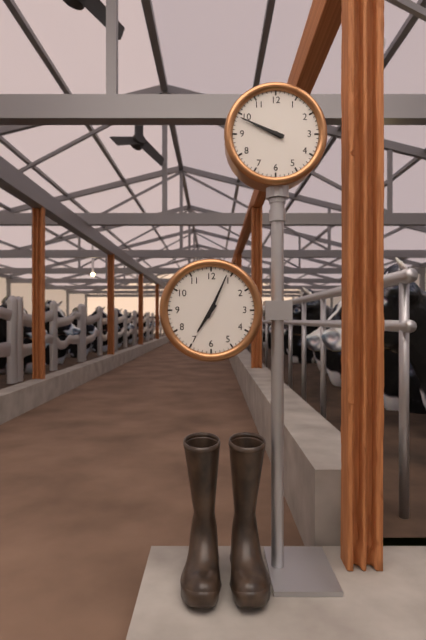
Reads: h=9 m=49
